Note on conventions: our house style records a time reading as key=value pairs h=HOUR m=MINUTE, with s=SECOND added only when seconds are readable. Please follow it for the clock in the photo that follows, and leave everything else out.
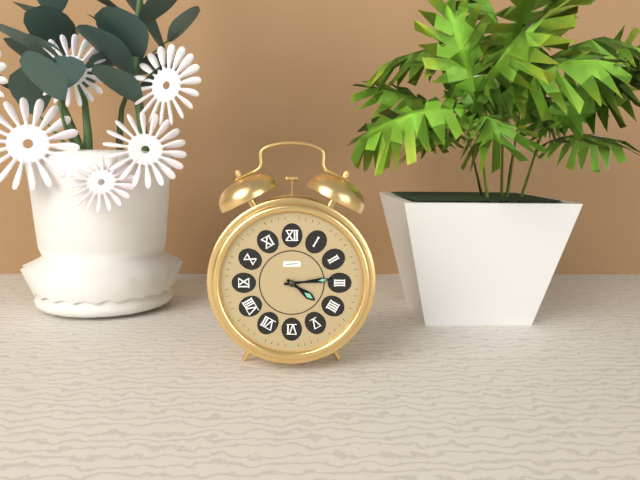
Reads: h=4 m=14
